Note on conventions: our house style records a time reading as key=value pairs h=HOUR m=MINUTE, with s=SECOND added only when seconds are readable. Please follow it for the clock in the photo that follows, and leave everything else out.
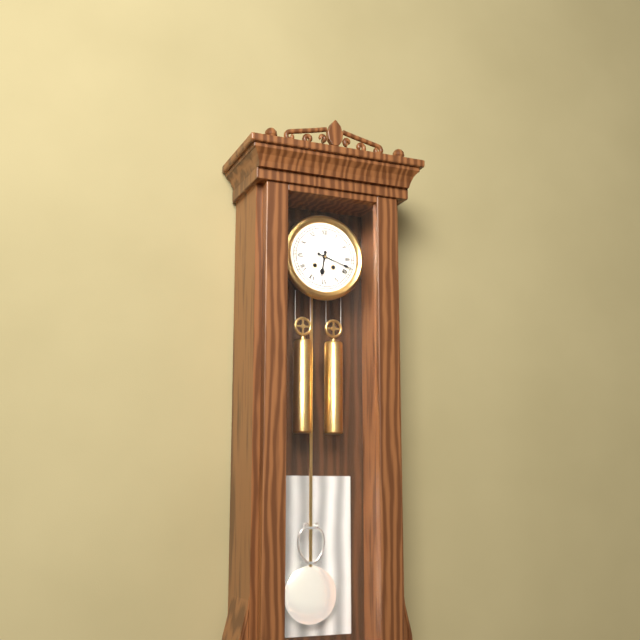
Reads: h=6 m=18
